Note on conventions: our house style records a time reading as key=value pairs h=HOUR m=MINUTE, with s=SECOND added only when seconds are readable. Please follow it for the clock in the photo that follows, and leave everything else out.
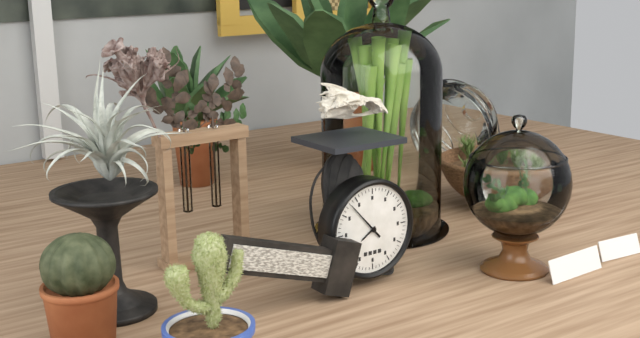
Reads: h=7 m=53
